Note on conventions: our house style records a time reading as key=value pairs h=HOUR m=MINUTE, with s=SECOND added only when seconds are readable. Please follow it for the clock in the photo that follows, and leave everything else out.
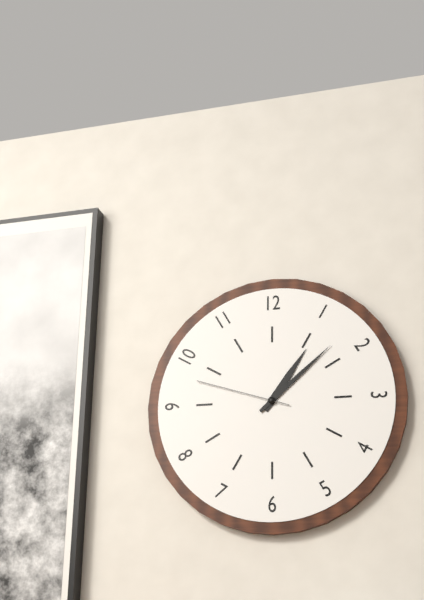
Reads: h=1 m=8 s=48
